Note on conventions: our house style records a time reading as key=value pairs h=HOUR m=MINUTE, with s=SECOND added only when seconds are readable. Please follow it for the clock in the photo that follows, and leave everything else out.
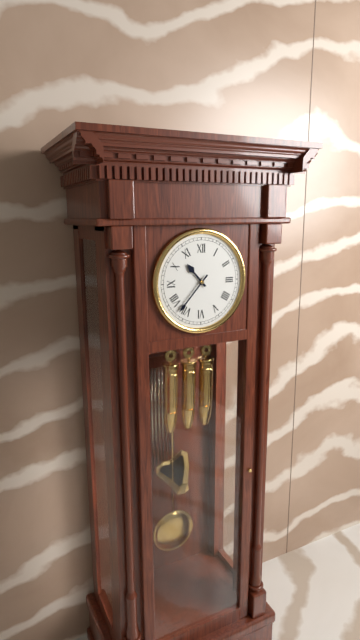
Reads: h=10 m=37
